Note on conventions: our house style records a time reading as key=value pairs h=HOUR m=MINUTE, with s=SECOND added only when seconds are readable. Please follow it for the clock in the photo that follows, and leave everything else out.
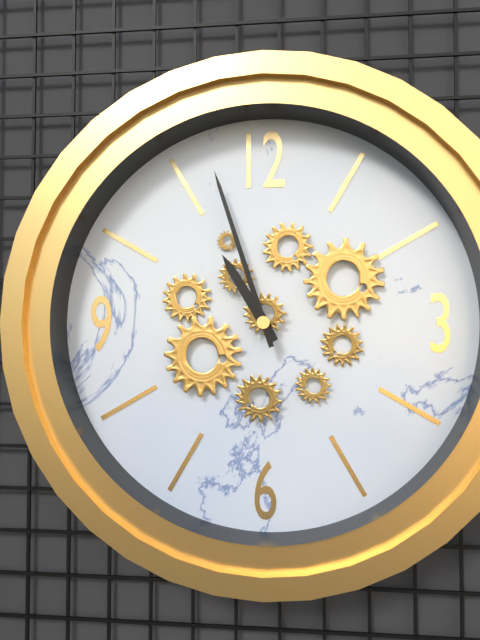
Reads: h=10 m=57
